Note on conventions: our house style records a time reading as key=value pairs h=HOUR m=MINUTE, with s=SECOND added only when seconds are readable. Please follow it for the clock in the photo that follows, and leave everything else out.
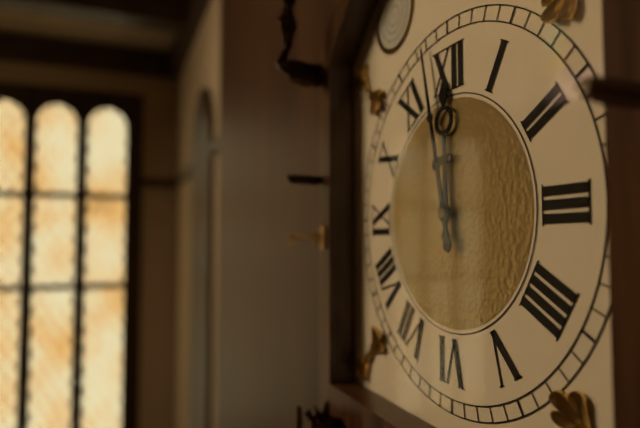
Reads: h=11 m=58
